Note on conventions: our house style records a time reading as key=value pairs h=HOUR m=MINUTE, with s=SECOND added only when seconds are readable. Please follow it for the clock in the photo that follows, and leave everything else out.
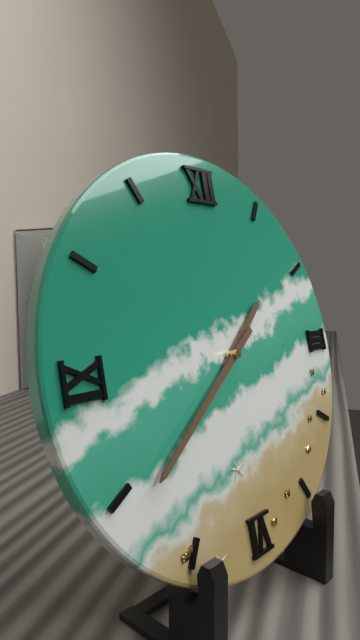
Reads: h=1 m=39
